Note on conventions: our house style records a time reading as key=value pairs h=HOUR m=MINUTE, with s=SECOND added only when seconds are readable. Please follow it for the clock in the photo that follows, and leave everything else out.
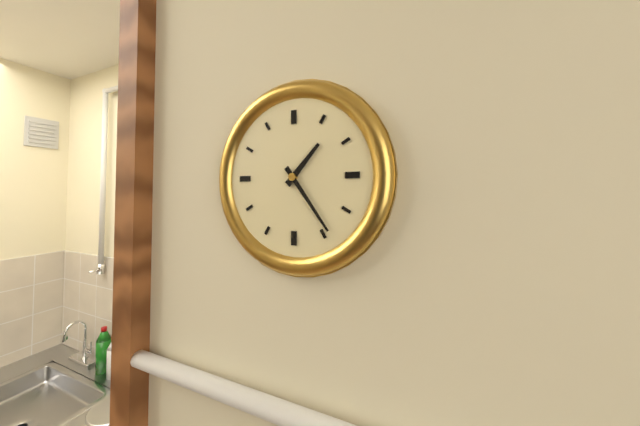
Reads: h=1 m=24
